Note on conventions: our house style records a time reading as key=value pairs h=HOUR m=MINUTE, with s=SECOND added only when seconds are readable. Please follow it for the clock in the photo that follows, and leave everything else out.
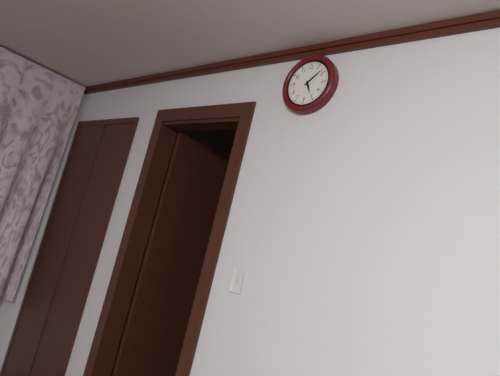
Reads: h=5 m=8
